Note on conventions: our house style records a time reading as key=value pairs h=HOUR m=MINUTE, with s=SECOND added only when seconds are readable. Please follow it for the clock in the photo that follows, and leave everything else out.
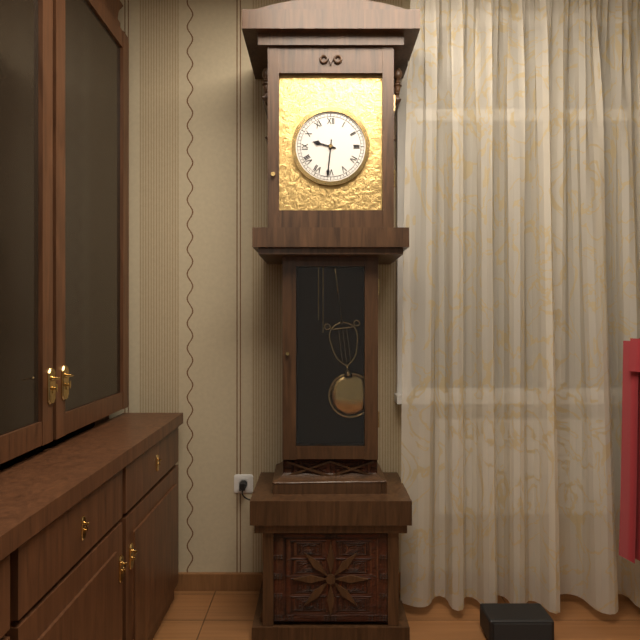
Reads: h=9 m=31
